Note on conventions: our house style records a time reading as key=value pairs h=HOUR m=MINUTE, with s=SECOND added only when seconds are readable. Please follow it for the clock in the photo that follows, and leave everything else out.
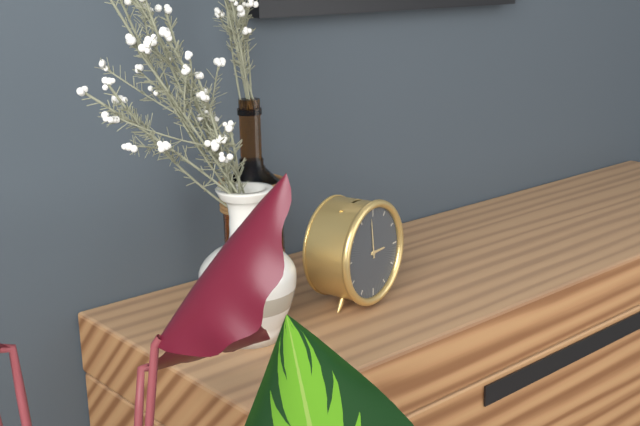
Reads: h=2 m=59
